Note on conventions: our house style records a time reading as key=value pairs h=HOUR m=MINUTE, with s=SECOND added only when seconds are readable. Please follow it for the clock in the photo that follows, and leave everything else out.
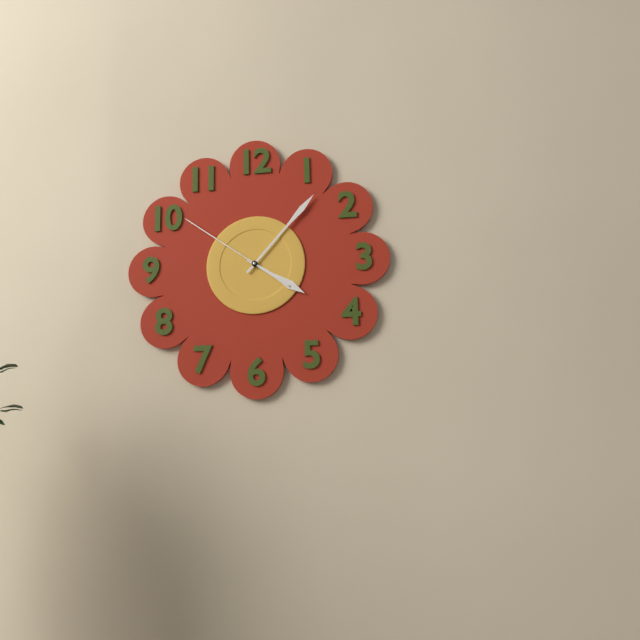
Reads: h=4 m=7 s=51
